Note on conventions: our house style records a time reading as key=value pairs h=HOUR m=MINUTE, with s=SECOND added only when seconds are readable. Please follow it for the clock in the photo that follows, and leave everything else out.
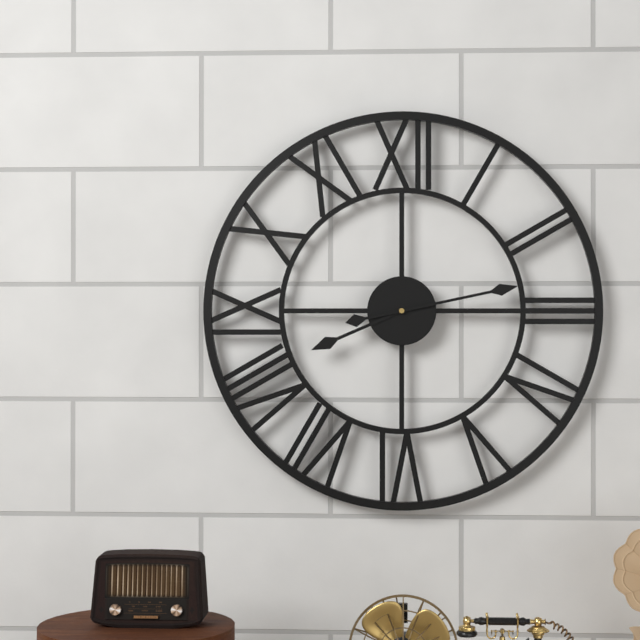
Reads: h=8 m=13
